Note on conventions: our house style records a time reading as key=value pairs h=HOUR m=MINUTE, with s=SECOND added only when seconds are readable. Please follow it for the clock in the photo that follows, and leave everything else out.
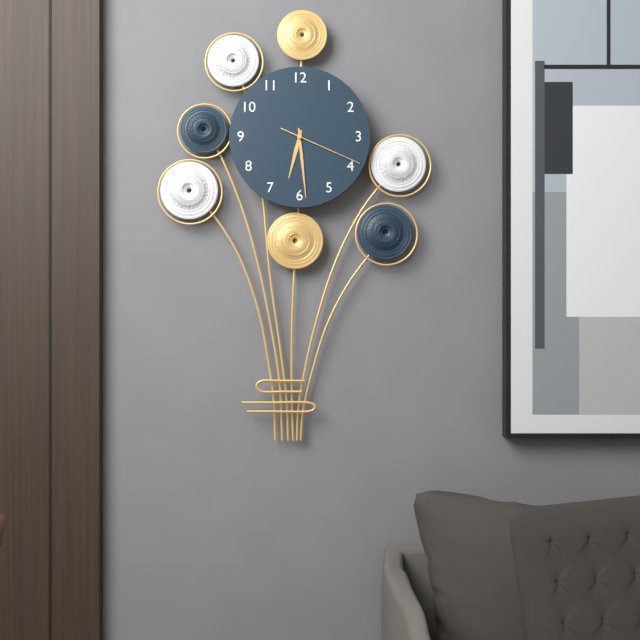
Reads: h=6 m=29 s=19
